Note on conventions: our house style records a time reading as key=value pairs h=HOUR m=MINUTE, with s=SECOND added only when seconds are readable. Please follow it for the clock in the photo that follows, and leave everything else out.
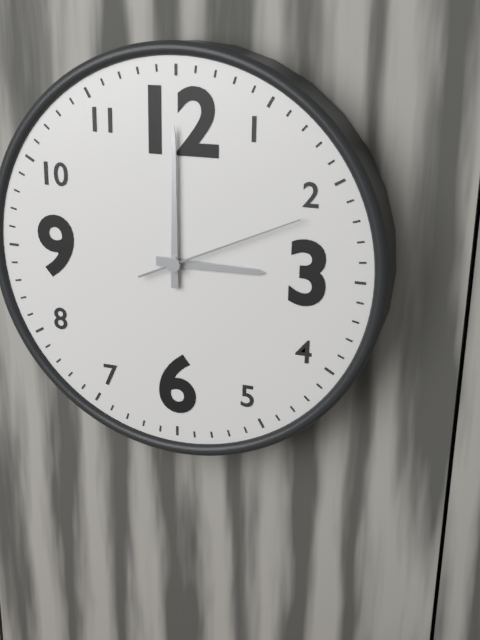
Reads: h=3 m=0 s=11
